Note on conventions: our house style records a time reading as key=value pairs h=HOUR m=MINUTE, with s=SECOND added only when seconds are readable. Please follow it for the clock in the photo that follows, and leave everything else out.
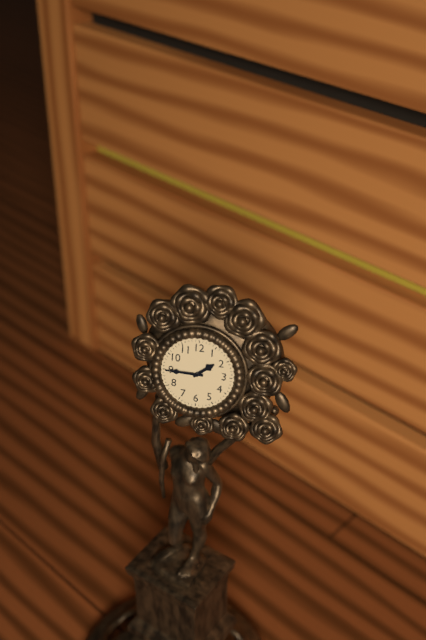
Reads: h=1 m=45
